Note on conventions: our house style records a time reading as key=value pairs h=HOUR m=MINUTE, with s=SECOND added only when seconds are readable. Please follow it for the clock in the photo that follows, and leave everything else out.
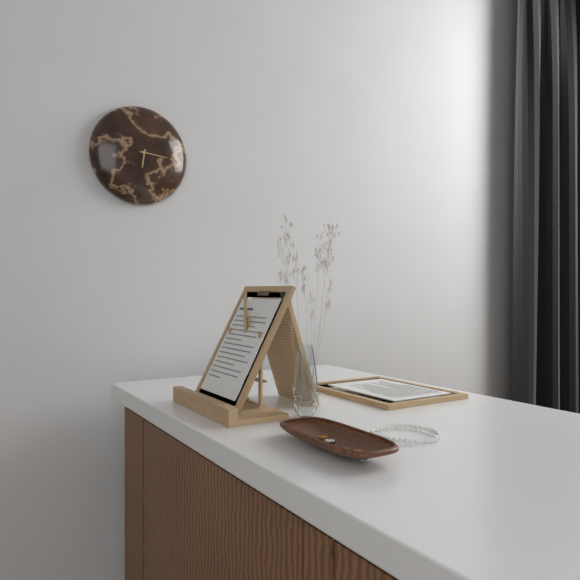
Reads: h=6 m=16
